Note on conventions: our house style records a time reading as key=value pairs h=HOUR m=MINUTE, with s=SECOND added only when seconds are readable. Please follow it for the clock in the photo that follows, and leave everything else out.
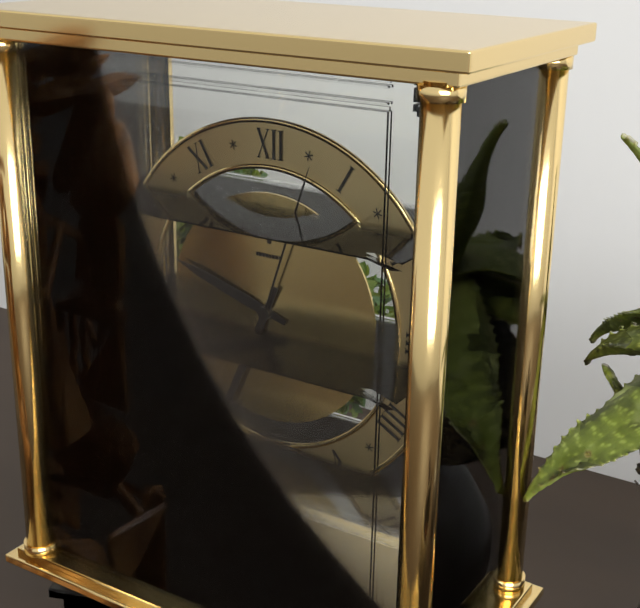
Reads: h=9 m=34 s=3
